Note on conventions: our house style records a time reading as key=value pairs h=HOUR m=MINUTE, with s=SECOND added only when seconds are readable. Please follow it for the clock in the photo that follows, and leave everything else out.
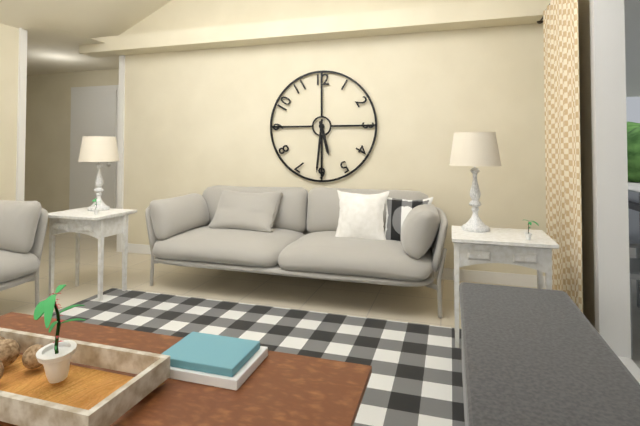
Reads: h=5 m=31
